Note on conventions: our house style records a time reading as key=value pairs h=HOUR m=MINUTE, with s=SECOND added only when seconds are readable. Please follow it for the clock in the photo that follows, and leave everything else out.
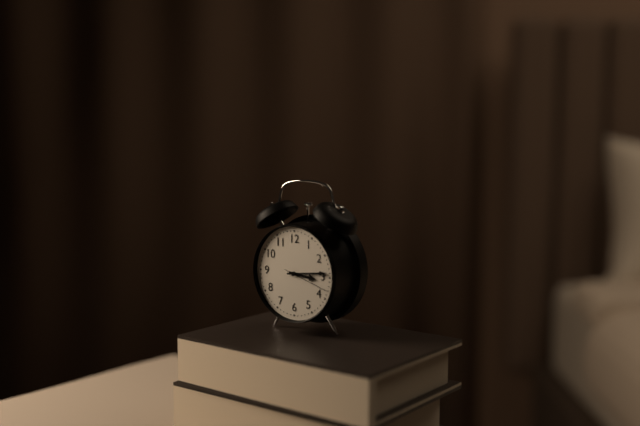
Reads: h=3 m=14
